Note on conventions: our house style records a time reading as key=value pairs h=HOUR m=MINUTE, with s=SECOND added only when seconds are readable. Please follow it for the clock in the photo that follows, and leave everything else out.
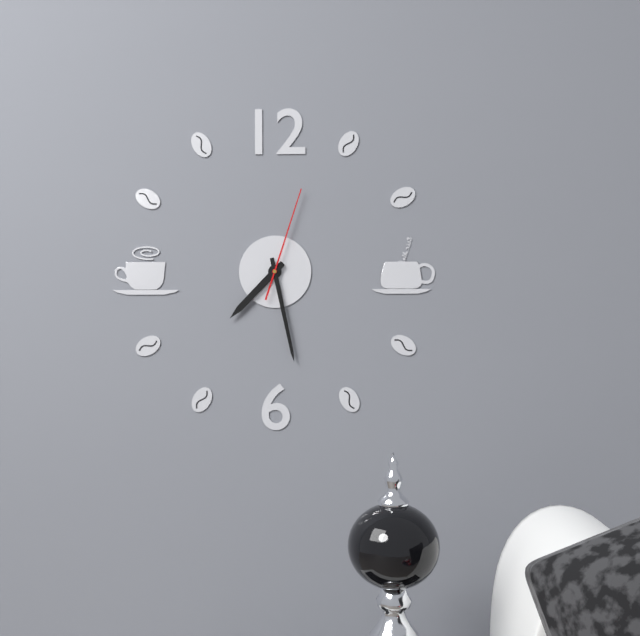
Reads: h=7 m=28 s=3
